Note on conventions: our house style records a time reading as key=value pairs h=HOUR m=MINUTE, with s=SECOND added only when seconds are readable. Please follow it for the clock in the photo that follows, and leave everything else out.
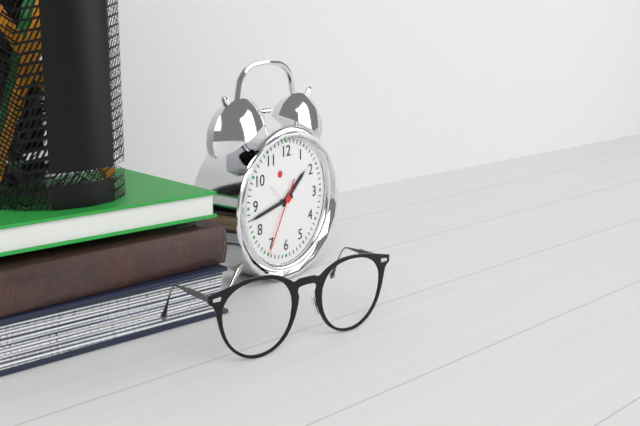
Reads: h=1 m=43 s=35
